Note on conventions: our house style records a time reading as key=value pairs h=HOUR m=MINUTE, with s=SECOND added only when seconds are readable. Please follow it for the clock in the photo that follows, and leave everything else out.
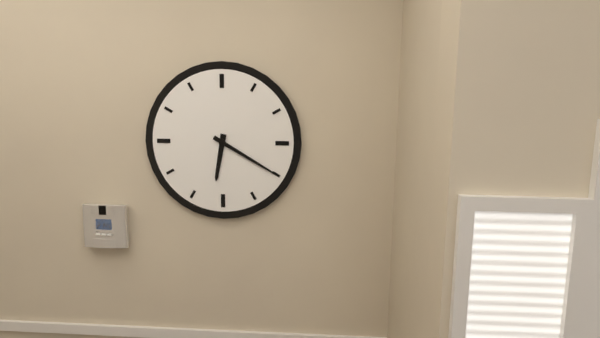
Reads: h=6 m=20
